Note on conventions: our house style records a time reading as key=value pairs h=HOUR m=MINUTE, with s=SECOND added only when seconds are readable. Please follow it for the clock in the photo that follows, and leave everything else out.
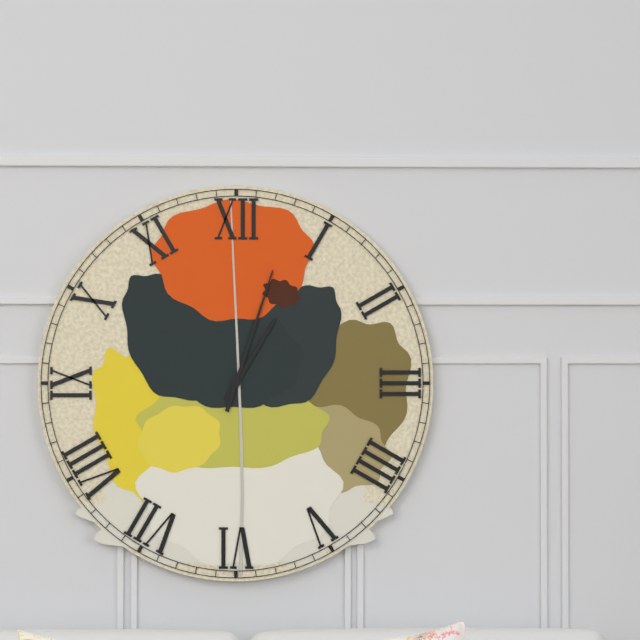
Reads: h=1 m=3
